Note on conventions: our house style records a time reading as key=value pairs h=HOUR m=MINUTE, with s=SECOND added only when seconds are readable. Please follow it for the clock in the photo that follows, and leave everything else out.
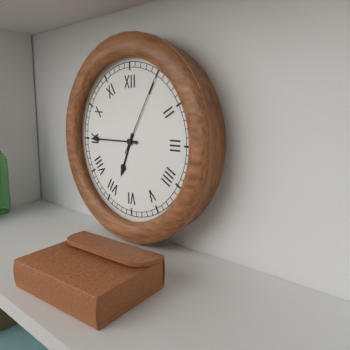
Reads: h=6 m=45 s=5
